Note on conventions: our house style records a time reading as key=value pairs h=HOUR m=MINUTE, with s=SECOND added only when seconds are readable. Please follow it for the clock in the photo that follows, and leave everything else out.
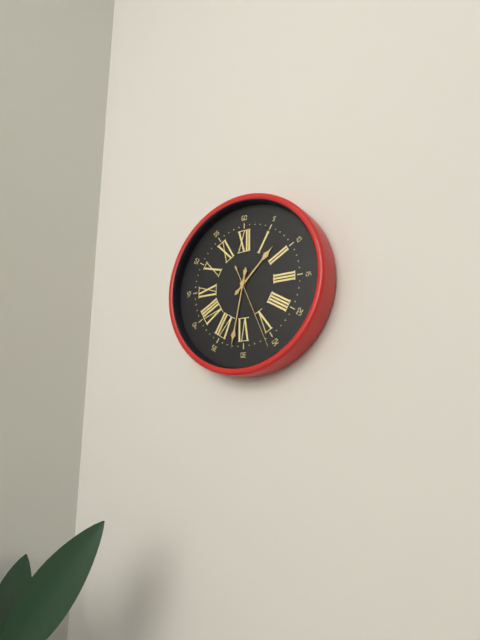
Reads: h=1 m=32 s=26
